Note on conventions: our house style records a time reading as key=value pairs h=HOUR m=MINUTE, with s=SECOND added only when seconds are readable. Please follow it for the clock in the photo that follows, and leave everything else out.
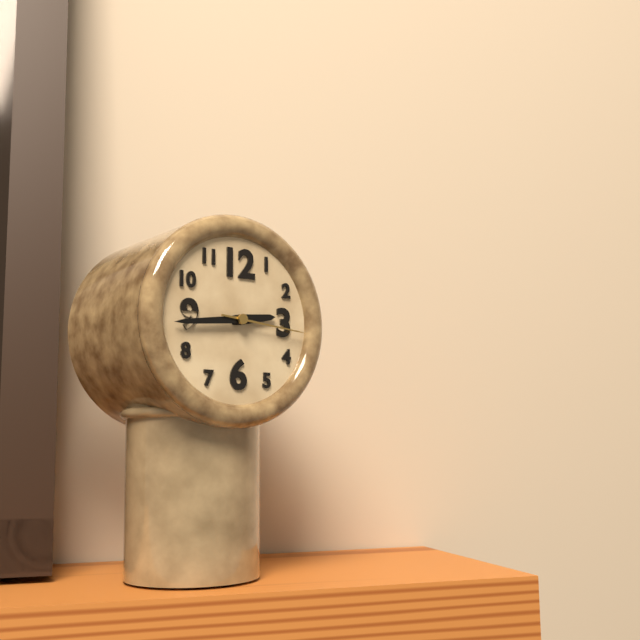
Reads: h=2 m=44 s=16
